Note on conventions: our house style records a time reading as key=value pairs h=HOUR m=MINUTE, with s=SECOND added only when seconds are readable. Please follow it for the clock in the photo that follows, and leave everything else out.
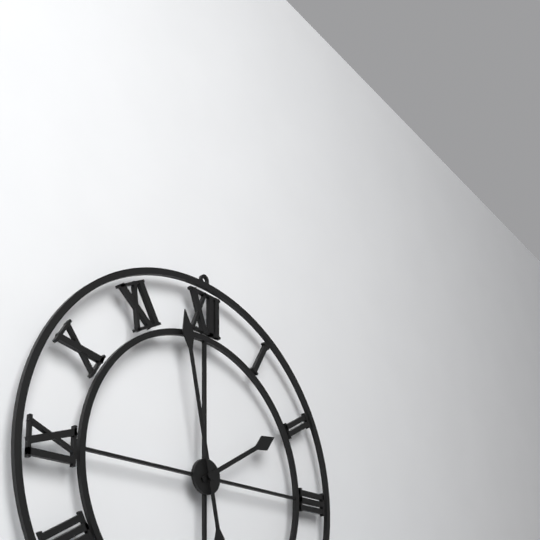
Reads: h=1 m=58
